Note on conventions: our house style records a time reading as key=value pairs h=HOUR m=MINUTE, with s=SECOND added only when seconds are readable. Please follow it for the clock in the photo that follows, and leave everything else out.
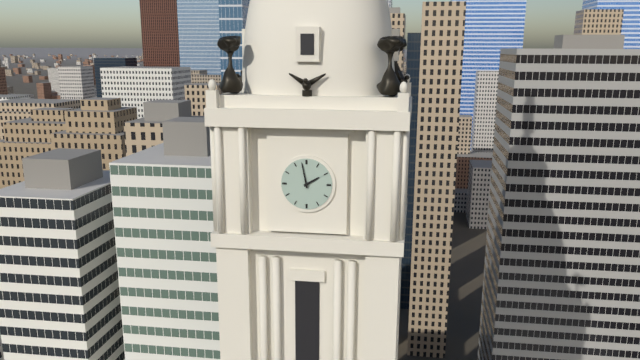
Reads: h=1 m=58
